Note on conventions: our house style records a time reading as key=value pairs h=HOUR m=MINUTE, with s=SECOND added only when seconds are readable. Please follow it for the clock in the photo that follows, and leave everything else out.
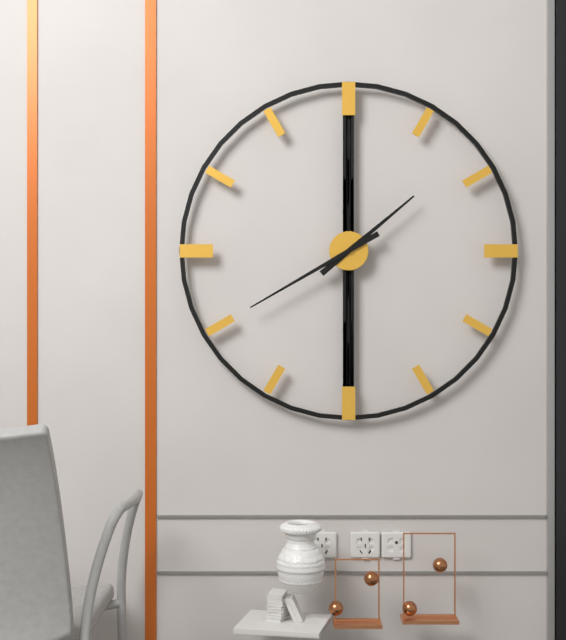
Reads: h=1 m=40
